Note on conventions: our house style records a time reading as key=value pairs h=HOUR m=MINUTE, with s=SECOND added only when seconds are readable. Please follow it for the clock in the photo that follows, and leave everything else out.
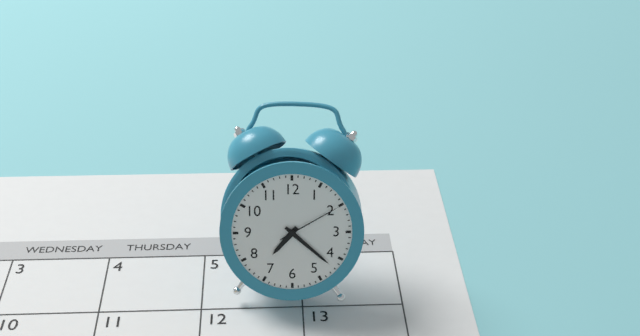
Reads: h=7 m=22 s=10
